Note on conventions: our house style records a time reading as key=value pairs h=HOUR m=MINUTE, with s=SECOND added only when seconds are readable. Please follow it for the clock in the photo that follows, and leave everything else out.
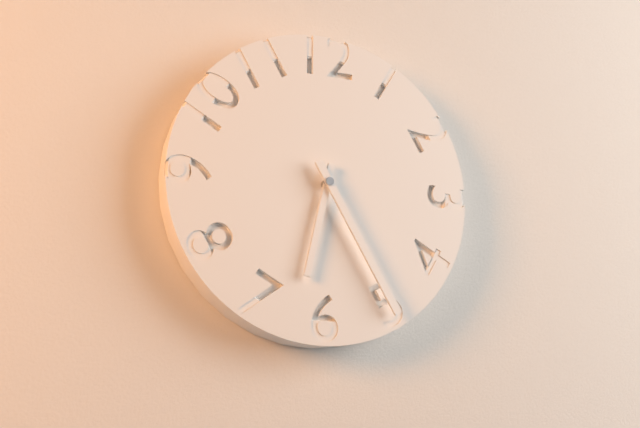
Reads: h=6 m=25
